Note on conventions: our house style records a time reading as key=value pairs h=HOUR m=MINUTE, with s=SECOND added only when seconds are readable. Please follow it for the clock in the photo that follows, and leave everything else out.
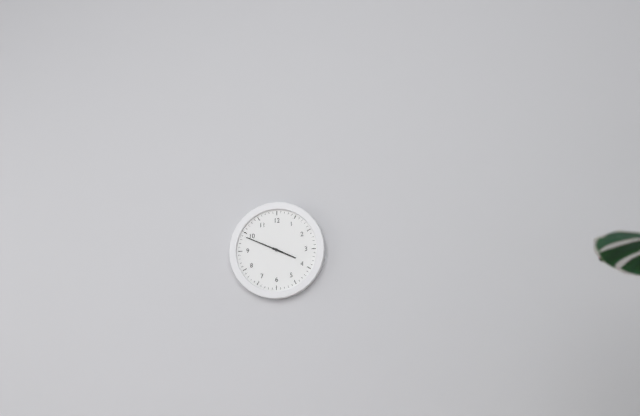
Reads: h=3 m=49
